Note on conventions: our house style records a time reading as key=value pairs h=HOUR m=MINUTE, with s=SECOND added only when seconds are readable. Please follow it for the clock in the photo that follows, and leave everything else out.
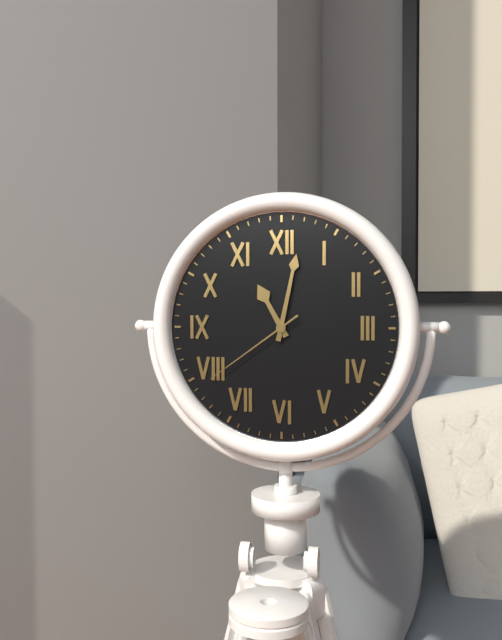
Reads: h=11 m=2 s=39
